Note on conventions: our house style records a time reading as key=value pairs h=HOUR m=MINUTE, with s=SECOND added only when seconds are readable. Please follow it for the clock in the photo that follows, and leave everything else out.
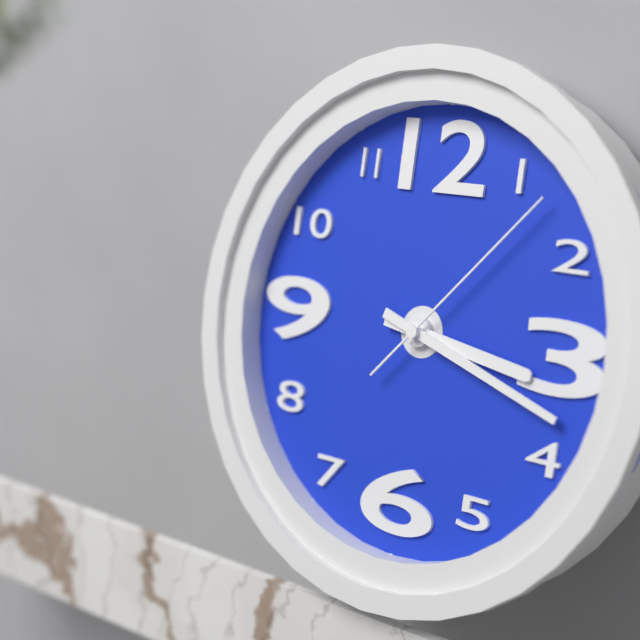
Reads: h=3 m=18 s=7
